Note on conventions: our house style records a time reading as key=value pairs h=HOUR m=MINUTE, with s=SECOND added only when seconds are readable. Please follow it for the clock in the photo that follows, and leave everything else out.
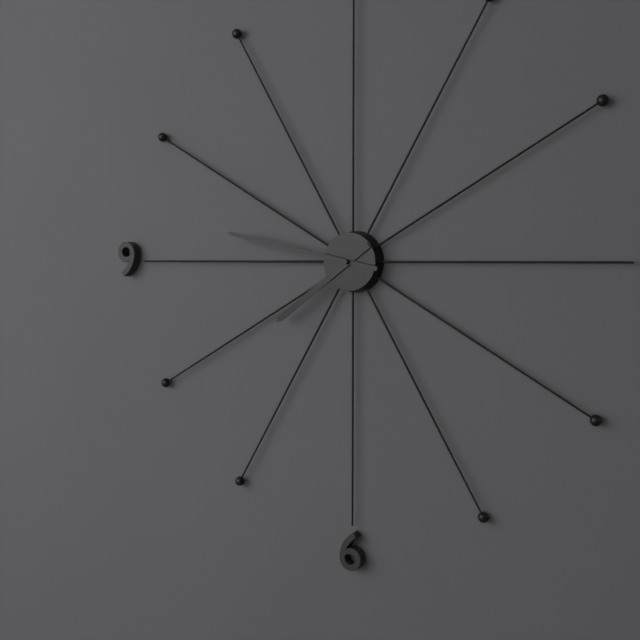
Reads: h=7 m=47
